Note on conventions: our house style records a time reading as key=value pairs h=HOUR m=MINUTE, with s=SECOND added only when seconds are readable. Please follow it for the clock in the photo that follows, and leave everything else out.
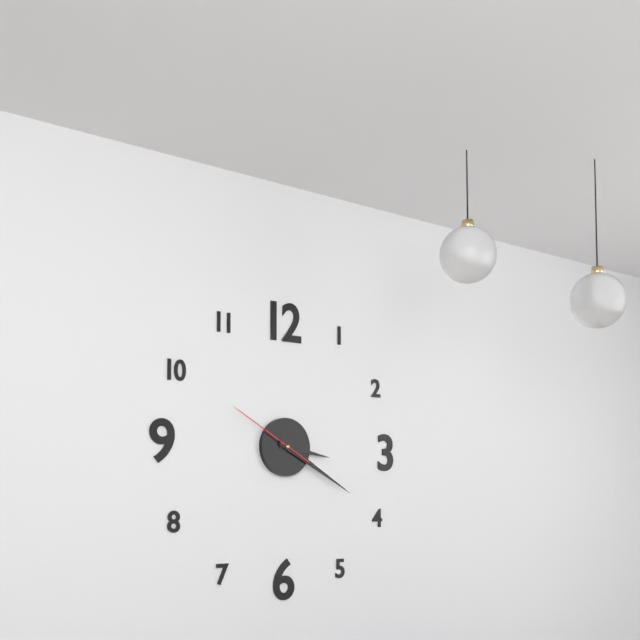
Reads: h=3 m=20 s=50
